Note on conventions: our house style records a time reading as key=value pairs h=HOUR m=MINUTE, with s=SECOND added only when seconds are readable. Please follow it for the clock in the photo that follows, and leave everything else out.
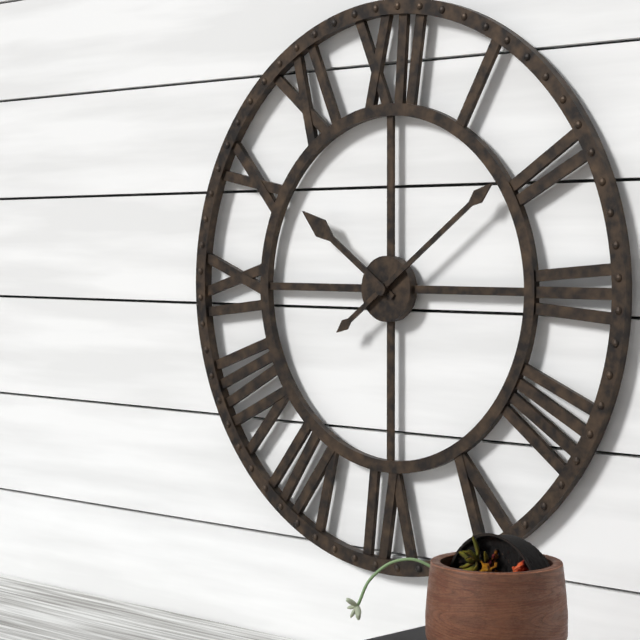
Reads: h=10 m=9
